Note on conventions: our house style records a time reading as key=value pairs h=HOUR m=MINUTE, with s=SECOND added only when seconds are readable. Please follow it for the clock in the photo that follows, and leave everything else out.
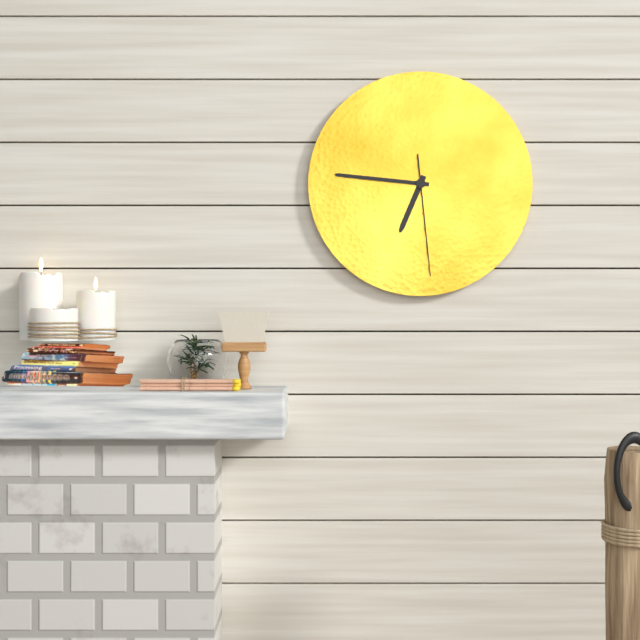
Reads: h=6 m=46 s=29
